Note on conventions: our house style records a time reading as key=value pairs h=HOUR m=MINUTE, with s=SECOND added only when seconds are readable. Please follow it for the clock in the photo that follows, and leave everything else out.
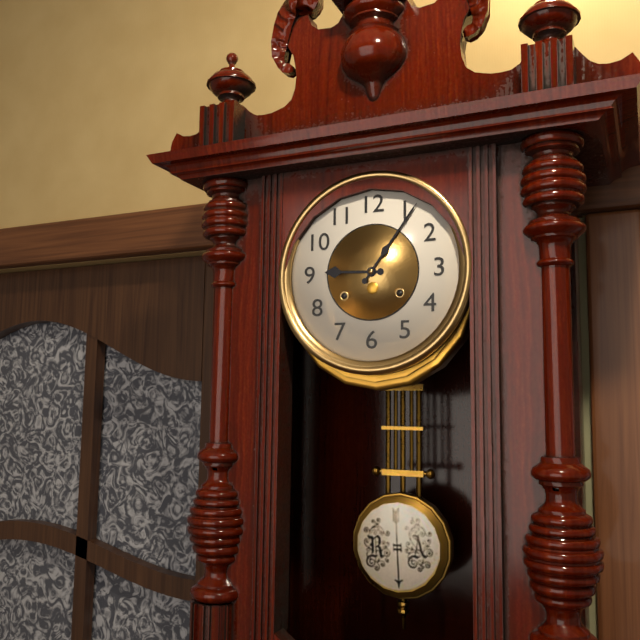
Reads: h=9 m=6
